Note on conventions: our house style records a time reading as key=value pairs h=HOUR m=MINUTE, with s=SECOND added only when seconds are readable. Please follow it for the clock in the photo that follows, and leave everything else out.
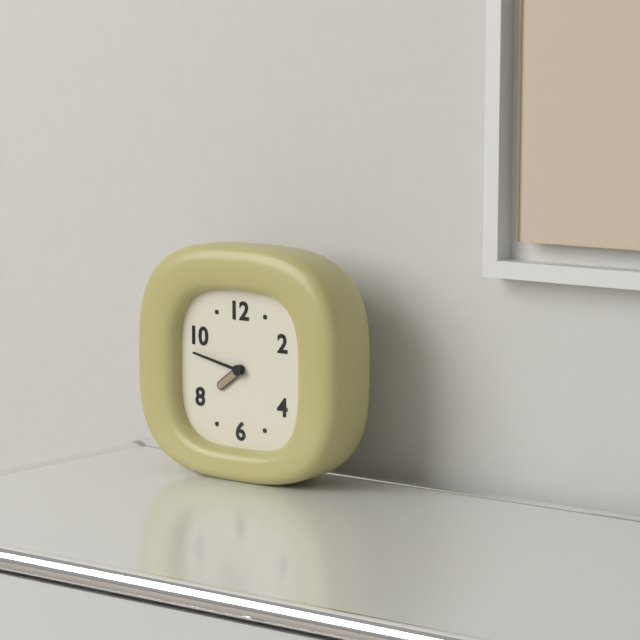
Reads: h=7 m=47
